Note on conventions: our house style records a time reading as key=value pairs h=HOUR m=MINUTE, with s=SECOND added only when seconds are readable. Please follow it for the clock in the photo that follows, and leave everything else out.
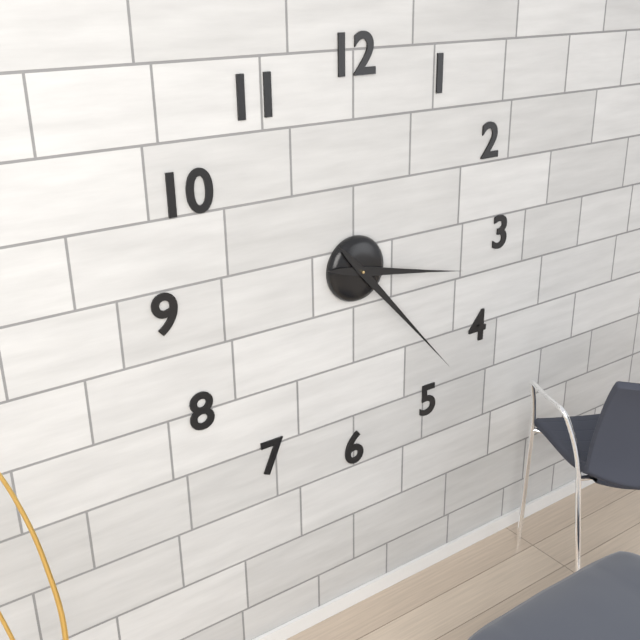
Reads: h=3 m=23
